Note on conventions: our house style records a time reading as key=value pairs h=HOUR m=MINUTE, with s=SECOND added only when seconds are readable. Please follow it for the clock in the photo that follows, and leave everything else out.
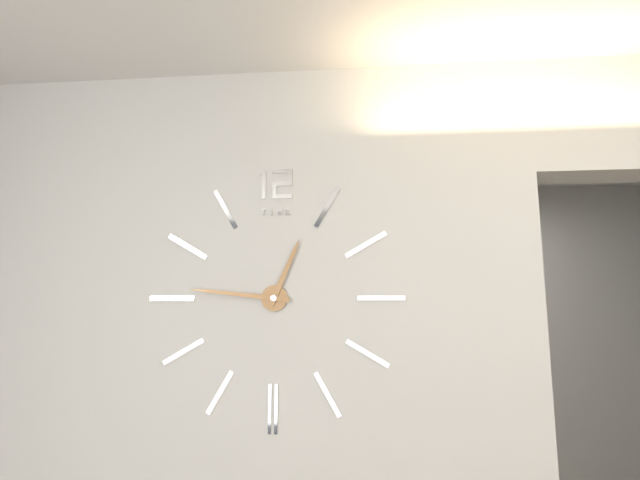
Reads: h=12 m=46
